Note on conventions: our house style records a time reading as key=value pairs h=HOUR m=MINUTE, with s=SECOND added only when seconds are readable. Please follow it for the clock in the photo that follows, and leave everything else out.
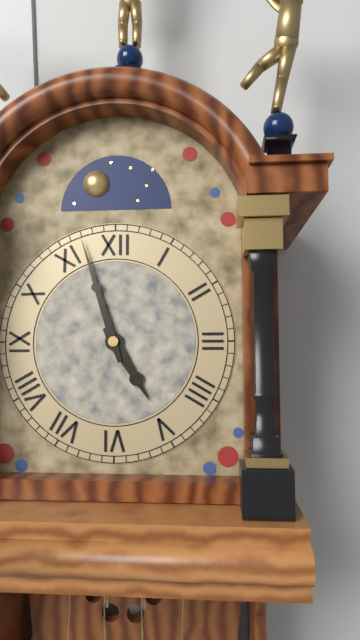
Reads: h=4 m=57
